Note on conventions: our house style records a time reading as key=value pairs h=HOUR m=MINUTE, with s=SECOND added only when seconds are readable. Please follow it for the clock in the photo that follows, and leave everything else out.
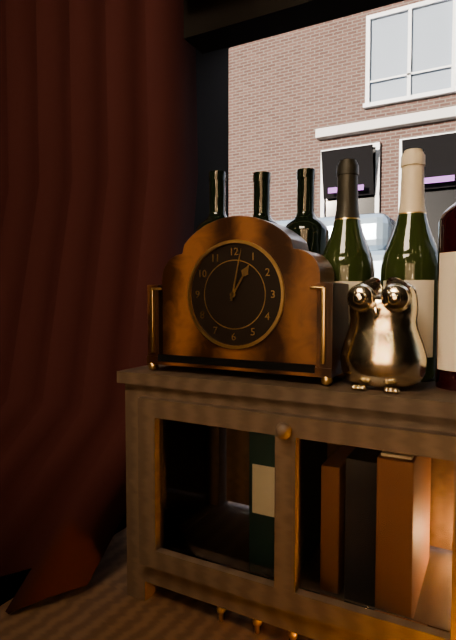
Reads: h=1 m=2
